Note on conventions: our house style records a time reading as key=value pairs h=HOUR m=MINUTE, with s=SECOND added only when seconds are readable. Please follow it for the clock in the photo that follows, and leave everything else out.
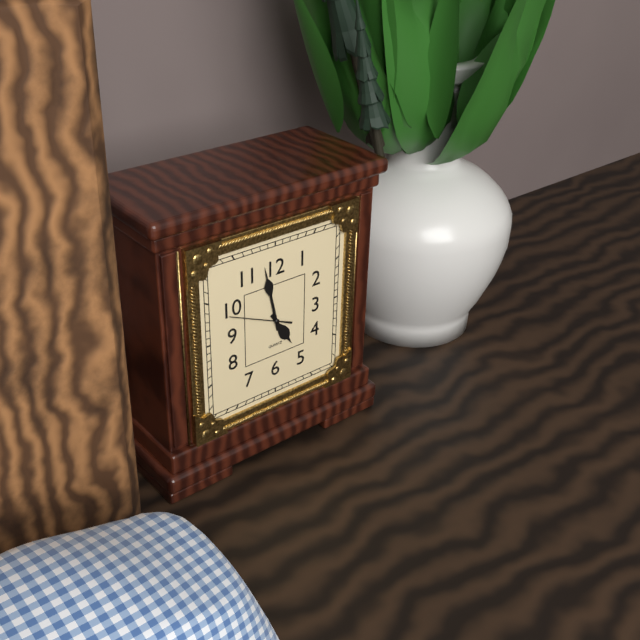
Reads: h=4 m=58 s=49
